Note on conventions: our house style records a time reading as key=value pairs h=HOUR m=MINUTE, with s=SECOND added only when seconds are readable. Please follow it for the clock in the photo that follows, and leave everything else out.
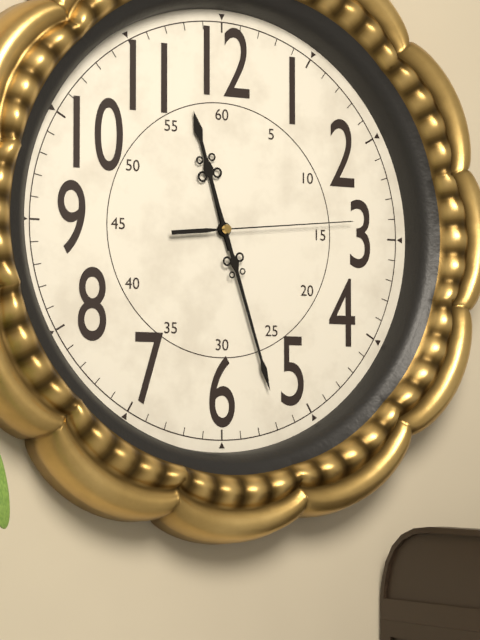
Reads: h=11 m=27 s=14
